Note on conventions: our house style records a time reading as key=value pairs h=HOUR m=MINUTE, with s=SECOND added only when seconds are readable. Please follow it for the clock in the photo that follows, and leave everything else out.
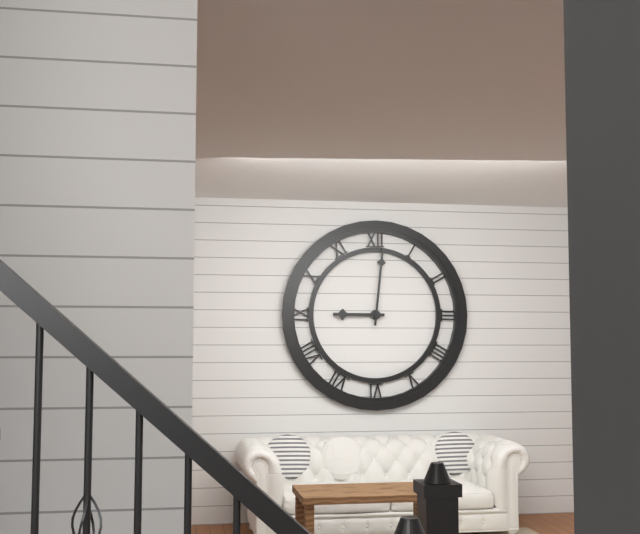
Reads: h=9 m=1
